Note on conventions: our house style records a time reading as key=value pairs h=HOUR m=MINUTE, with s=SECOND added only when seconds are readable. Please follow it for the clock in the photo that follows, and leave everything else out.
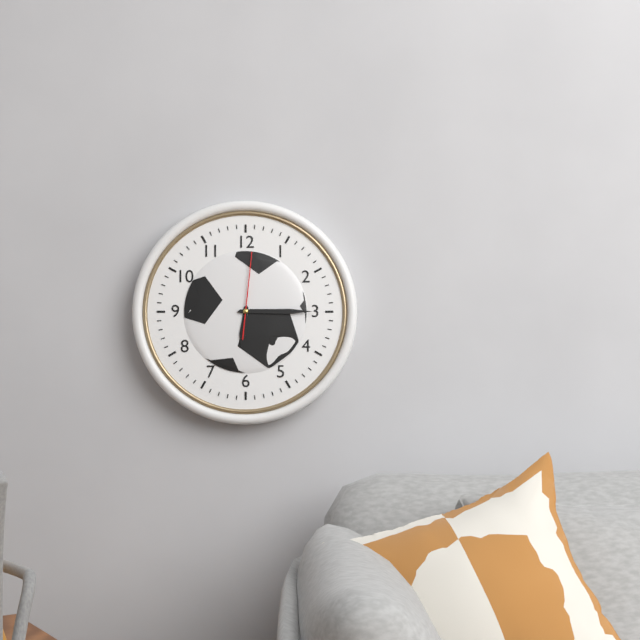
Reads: h=6 m=15 s=1
